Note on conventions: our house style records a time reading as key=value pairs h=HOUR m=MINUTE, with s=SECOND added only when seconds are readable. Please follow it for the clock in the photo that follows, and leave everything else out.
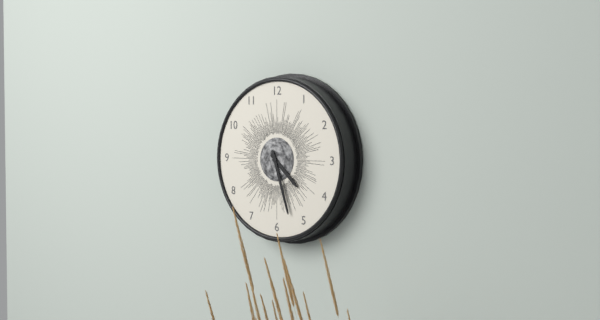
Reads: h=4 m=27
